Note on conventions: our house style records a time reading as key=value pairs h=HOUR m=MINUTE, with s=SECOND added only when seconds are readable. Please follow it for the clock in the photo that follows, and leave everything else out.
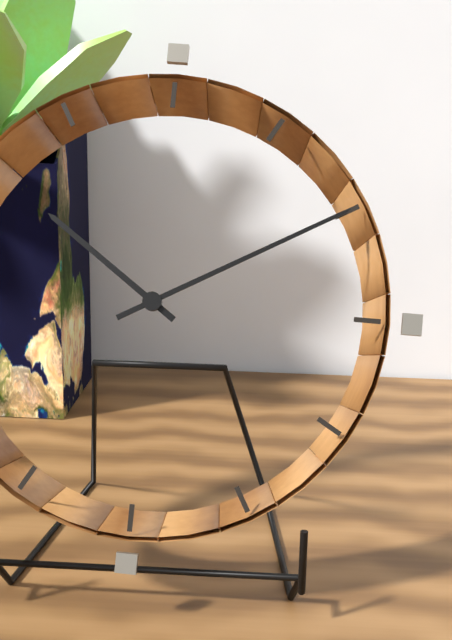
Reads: h=10 m=10
